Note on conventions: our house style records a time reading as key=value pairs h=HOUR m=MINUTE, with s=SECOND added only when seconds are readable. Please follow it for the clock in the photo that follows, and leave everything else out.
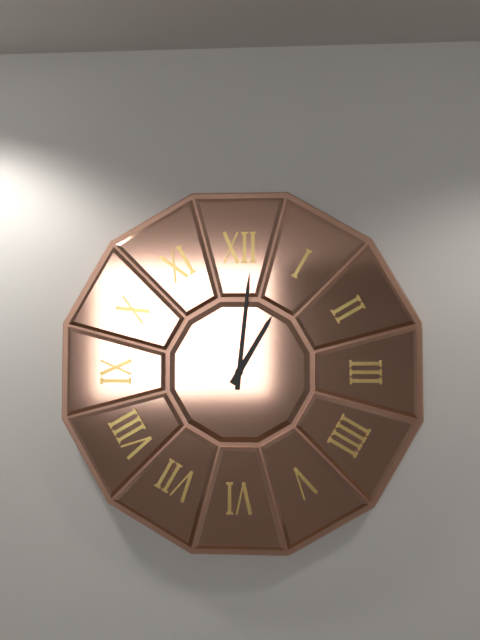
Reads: h=1 m=1
